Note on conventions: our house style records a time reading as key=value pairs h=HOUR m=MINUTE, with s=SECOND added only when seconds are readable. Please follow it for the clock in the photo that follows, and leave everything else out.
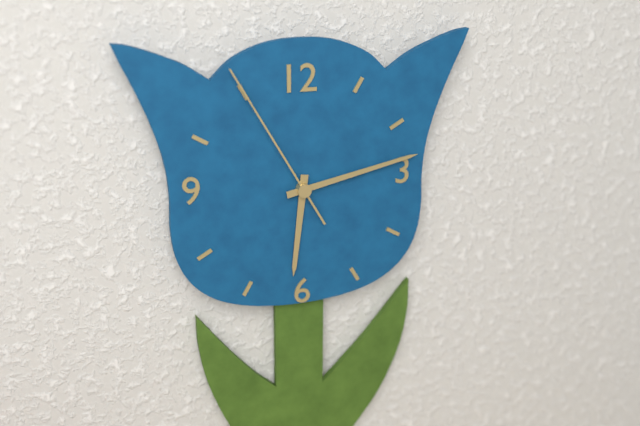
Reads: h=6 m=13 s=55
